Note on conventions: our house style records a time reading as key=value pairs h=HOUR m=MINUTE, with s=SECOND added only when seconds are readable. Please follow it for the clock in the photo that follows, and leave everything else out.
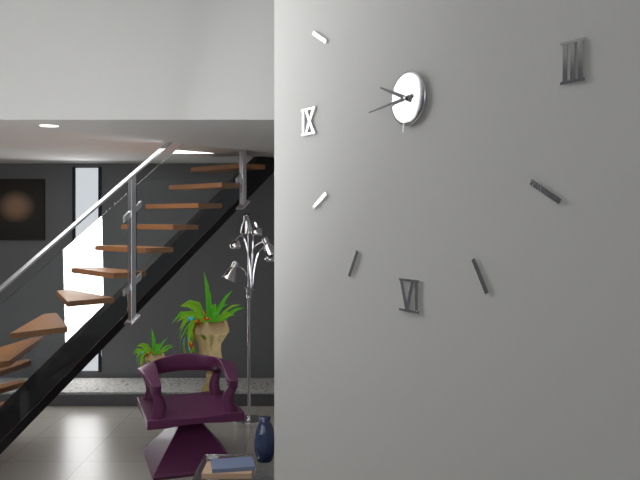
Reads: h=9 m=44
